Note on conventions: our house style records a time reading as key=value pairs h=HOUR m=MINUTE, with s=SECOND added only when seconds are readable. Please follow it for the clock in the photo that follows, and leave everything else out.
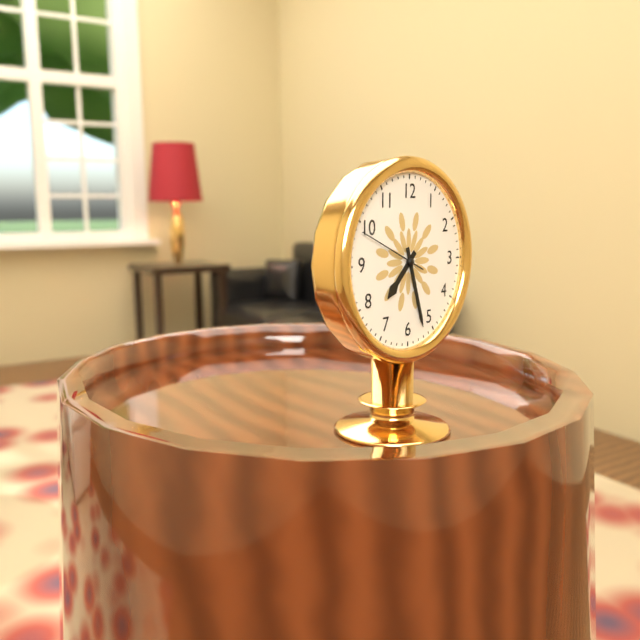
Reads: h=7 m=27 s=49
